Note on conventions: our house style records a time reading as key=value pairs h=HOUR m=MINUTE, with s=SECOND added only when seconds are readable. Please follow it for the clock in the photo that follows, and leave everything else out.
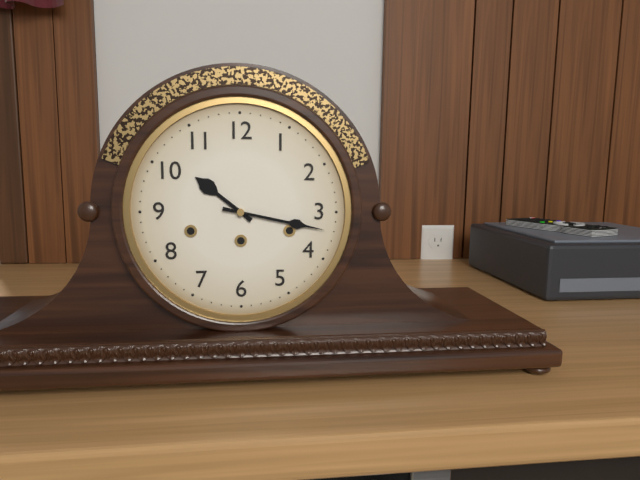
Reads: h=10 m=17
